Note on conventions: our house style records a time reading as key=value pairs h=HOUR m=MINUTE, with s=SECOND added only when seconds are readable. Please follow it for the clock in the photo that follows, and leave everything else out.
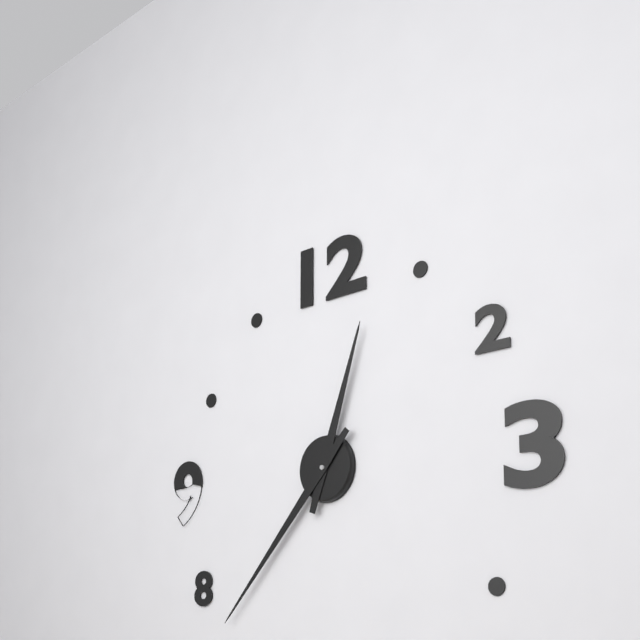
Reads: h=12 m=37
